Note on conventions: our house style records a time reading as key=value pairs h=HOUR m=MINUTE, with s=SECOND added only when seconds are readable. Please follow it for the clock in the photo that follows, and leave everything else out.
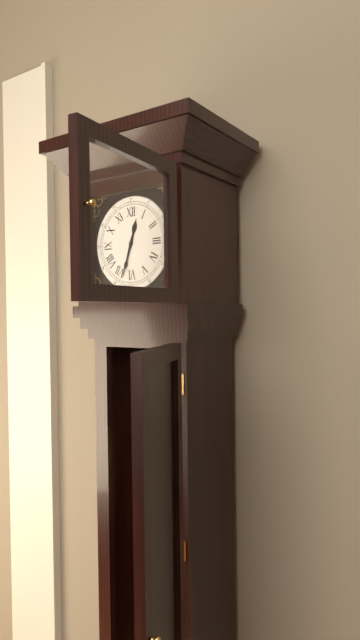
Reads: h=12 m=33
